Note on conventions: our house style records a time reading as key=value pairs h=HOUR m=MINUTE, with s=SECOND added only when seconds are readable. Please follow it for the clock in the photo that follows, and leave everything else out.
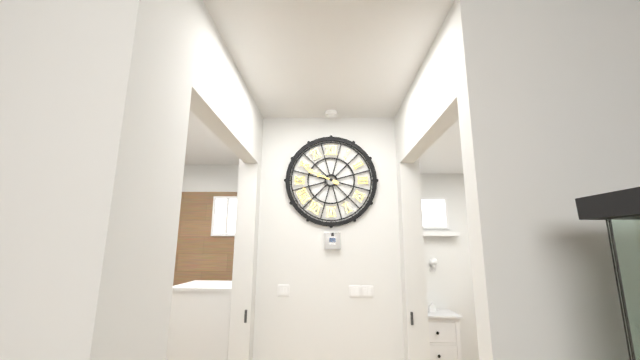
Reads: h=9 m=49
